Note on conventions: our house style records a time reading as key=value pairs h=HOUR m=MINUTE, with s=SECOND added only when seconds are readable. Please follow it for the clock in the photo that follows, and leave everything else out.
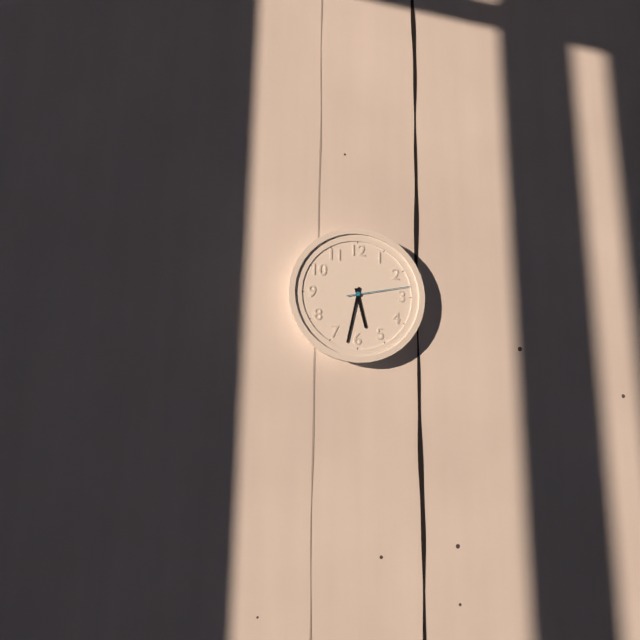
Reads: h=5 m=32 s=13
